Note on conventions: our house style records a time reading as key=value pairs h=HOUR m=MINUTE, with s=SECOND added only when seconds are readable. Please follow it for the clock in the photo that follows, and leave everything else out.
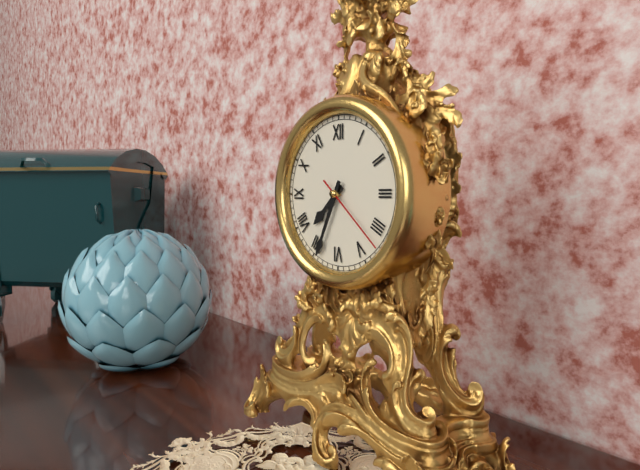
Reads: h=7 m=34 s=22
